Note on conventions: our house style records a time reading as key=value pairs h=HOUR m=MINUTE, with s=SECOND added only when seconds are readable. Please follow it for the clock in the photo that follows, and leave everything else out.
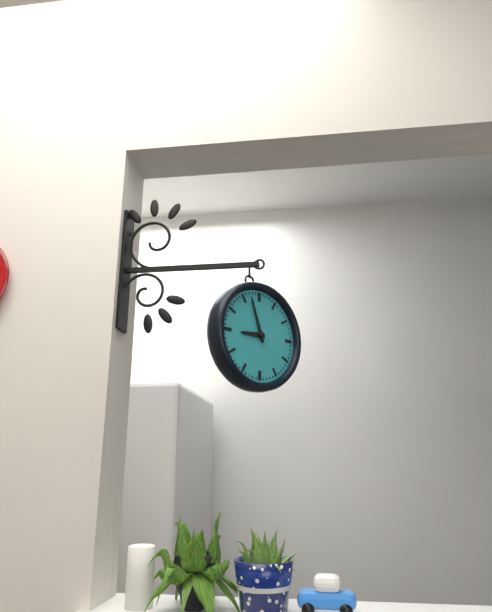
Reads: h=8 m=57
